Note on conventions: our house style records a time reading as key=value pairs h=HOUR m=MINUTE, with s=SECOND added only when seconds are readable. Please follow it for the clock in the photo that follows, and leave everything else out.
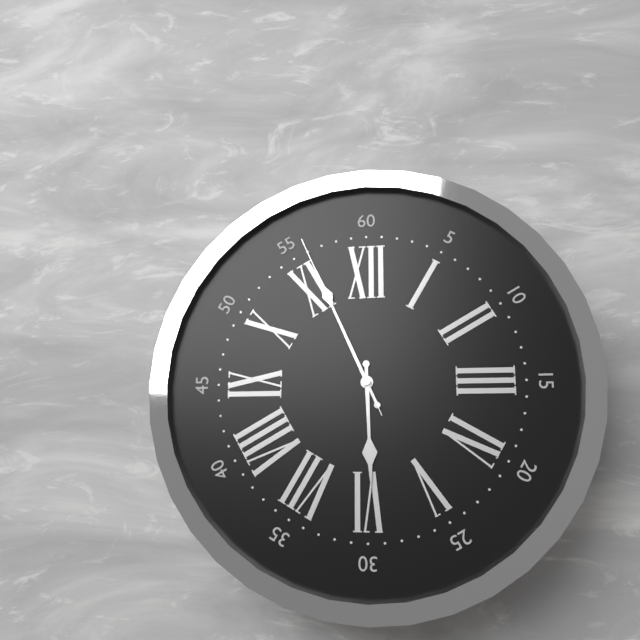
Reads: h=5 m=56 s=56
